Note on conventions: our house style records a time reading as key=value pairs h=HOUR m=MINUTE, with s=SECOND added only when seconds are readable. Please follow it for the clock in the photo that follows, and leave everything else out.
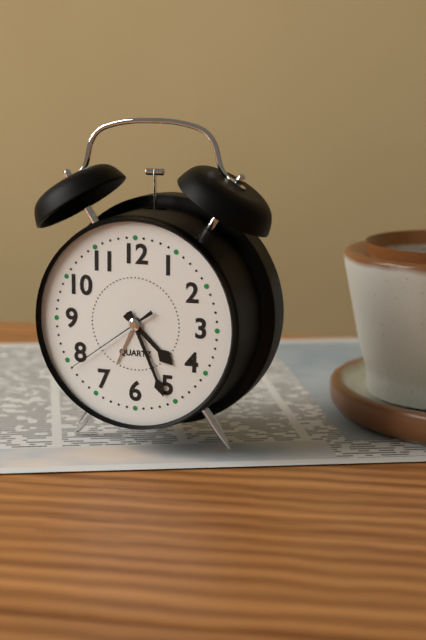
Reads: h=4 m=26 s=39
